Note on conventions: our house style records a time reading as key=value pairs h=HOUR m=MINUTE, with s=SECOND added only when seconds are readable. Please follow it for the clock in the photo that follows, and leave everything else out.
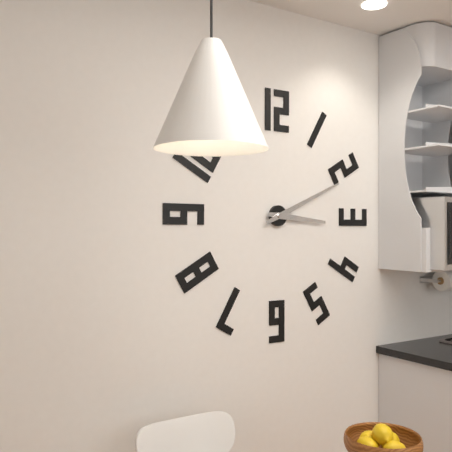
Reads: h=3 m=11
